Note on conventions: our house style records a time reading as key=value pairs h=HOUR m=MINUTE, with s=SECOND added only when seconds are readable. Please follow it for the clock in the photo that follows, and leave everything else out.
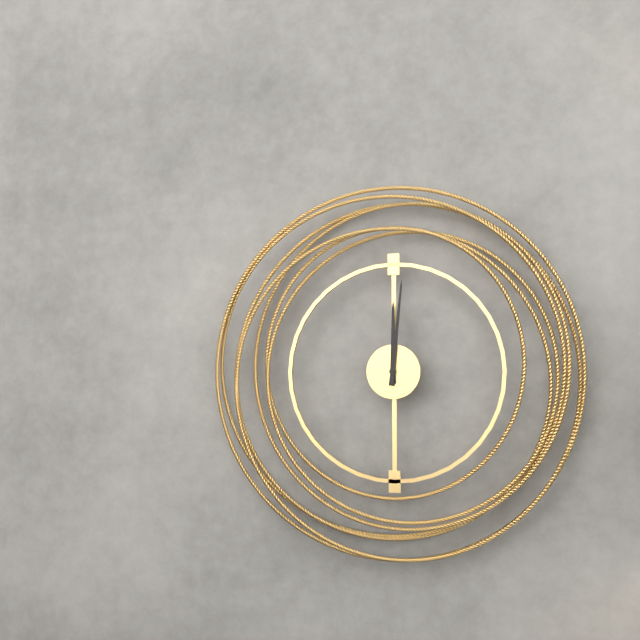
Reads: h=12 m=1
